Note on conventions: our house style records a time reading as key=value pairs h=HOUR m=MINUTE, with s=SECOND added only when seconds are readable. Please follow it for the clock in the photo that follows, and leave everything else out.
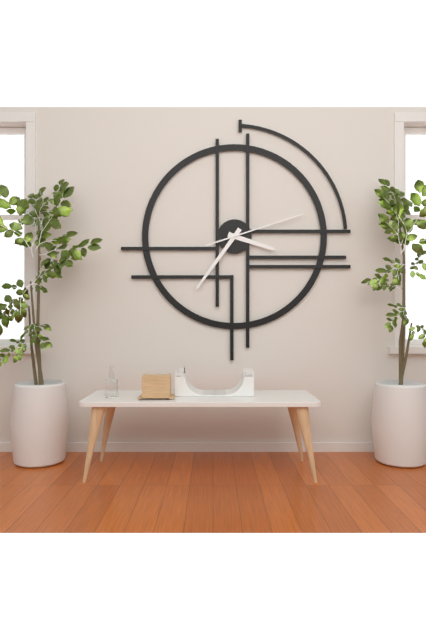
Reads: h=3 m=36 s=12
